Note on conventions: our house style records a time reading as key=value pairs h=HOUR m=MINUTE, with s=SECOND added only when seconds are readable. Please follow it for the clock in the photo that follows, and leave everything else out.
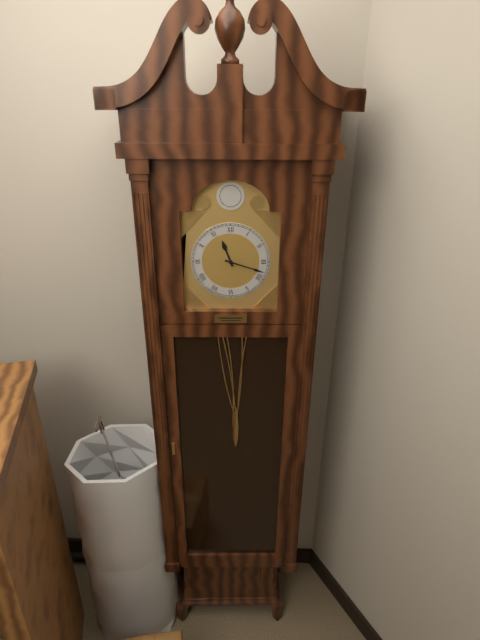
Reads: h=11 m=18
